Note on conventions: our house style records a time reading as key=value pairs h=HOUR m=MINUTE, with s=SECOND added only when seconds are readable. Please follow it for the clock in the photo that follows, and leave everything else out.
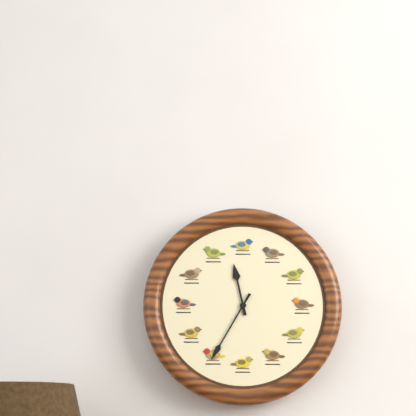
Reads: h=11 m=35
